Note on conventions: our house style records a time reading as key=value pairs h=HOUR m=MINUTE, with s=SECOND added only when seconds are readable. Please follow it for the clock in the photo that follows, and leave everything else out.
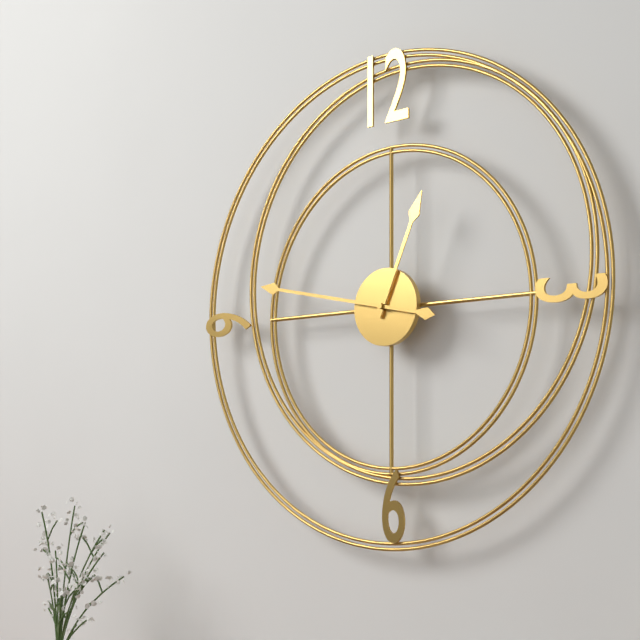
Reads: h=12 m=47
